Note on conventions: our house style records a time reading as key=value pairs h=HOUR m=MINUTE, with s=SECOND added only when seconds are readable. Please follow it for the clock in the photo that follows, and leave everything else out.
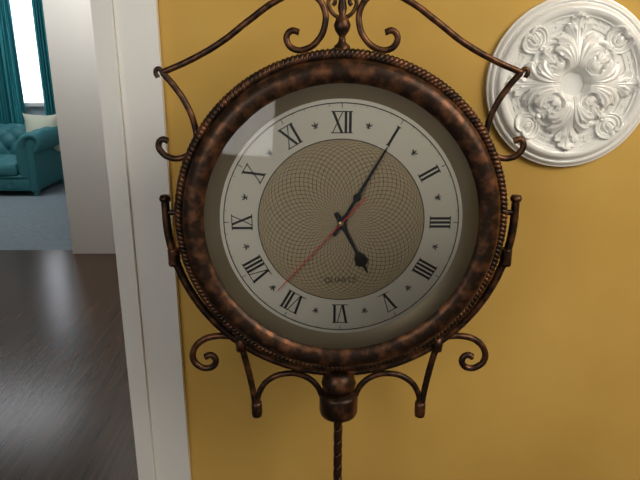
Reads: h=5 m=5 s=37
